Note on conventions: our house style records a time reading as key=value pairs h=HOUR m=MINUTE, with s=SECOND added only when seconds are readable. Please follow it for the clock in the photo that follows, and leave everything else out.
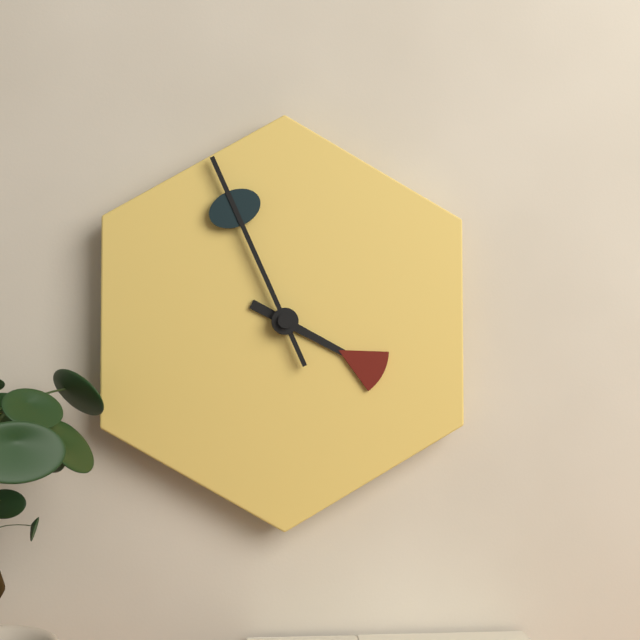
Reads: h=3 m=56
